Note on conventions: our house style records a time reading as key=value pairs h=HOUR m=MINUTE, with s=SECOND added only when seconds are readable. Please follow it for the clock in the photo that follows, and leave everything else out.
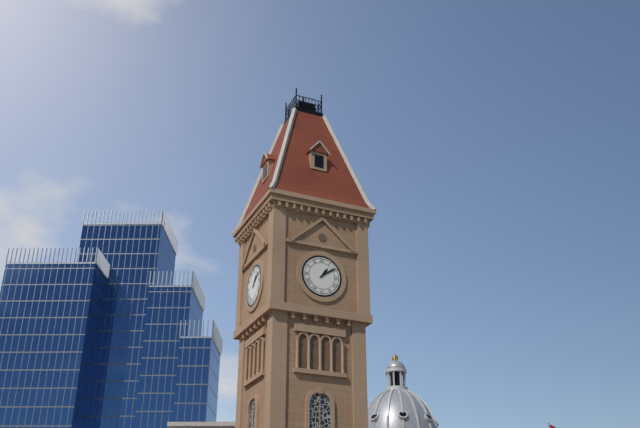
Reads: h=1 m=9
